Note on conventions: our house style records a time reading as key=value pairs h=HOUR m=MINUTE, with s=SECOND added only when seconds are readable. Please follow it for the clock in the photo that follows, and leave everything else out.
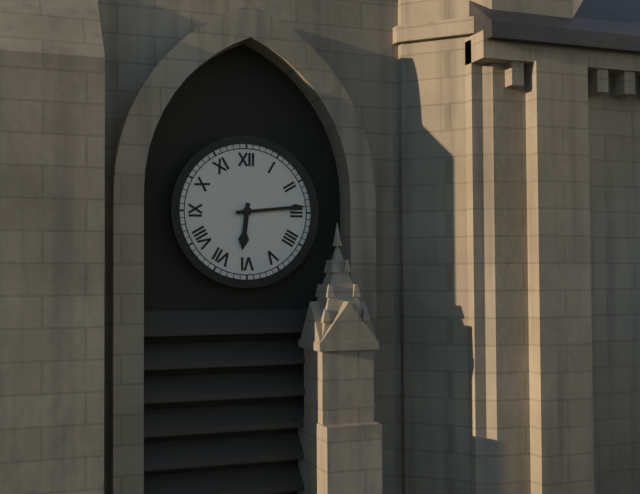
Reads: h=6 m=14
